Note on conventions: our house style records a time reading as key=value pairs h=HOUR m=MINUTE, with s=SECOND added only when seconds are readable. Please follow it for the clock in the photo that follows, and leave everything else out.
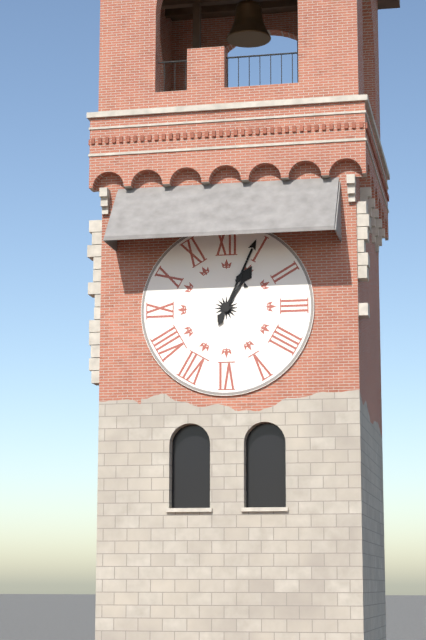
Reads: h=1 m=4
